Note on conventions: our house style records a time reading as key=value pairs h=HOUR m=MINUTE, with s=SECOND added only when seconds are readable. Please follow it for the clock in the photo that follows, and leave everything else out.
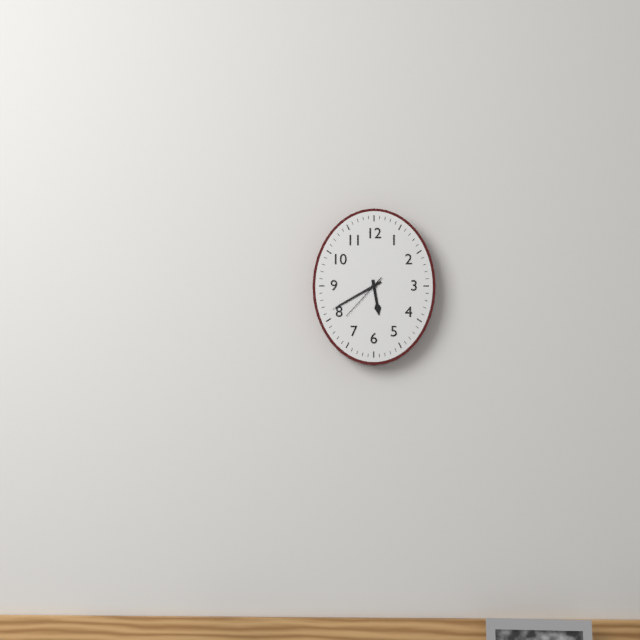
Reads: h=5 m=40 s=37
